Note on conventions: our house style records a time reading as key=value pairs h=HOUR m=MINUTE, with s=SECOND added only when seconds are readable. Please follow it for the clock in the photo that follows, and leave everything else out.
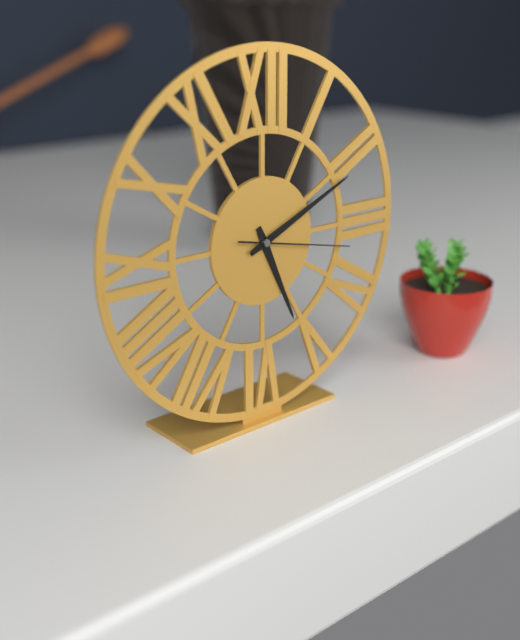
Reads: h=5 m=11 s=17
